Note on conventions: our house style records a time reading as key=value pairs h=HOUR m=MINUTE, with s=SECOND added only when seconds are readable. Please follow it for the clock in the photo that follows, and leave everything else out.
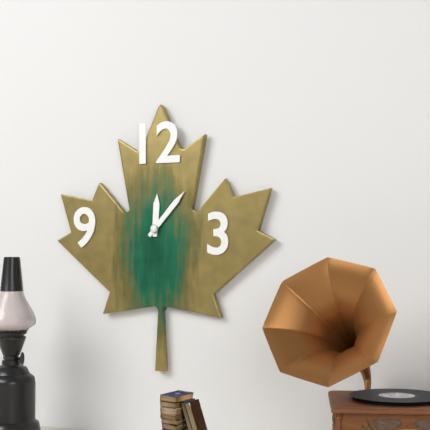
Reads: h=12 m=7
